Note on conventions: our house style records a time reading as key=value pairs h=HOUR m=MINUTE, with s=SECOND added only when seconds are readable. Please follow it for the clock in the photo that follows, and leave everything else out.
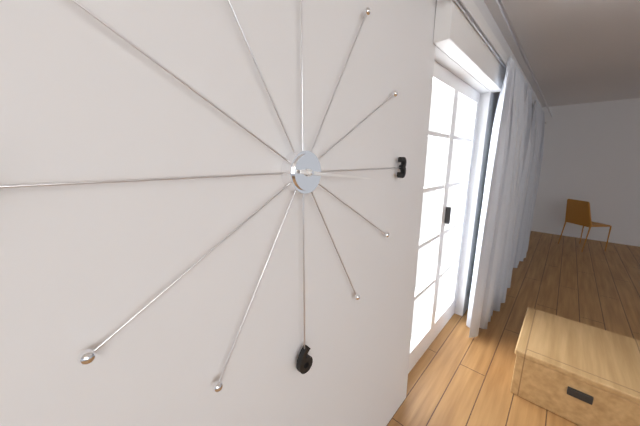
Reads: h=3 m=16
